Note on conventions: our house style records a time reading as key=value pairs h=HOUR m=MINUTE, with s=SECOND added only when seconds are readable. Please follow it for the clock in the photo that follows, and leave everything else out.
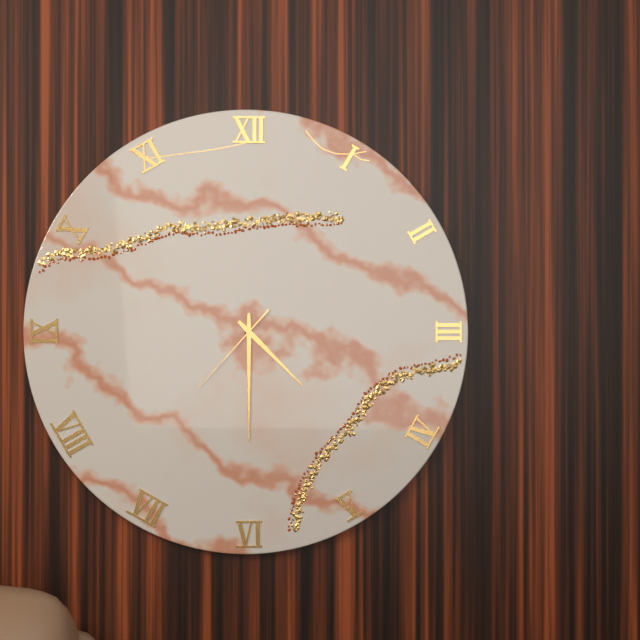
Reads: h=4 m=30 s=37
